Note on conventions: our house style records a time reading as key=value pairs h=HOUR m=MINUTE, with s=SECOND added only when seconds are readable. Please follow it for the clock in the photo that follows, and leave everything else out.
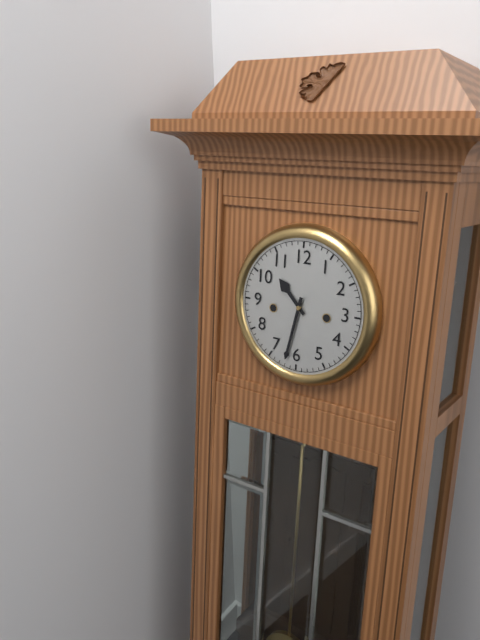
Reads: h=10 m=32
